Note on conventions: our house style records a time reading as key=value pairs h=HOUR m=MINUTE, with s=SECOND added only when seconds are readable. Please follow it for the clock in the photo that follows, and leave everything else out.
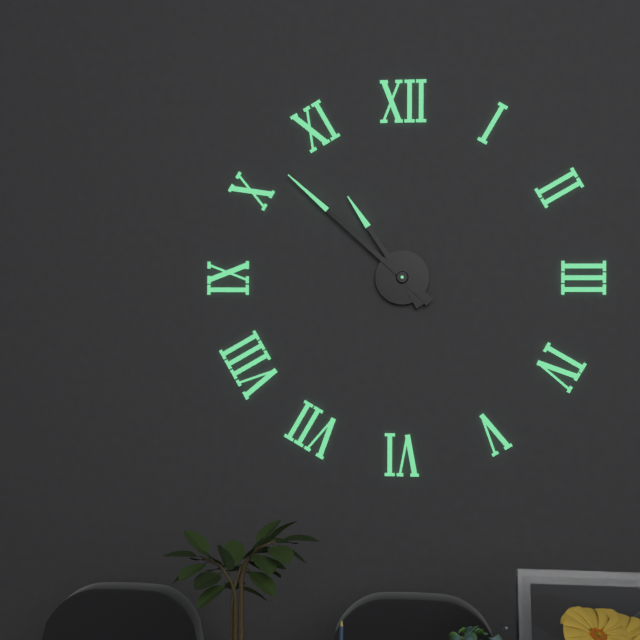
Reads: h=10 m=52
